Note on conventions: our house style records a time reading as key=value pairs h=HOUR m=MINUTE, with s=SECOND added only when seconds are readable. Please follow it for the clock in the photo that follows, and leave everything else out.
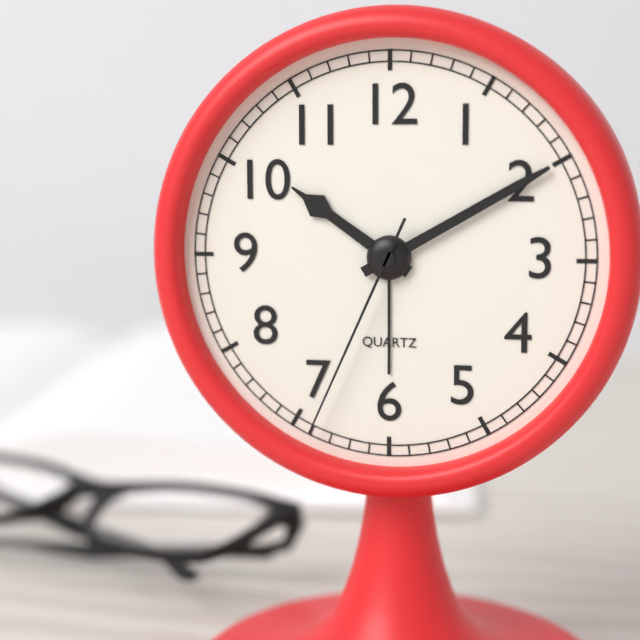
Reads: h=10 m=10 s=34
